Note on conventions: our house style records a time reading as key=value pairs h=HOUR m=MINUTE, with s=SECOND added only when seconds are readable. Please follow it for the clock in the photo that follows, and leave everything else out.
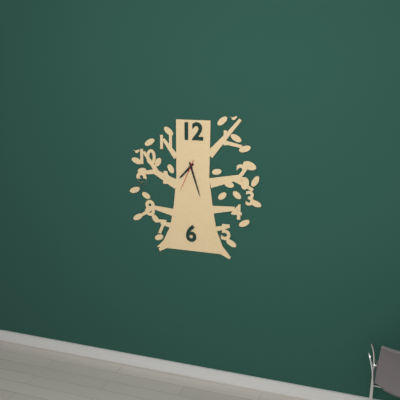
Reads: h=7 m=27
